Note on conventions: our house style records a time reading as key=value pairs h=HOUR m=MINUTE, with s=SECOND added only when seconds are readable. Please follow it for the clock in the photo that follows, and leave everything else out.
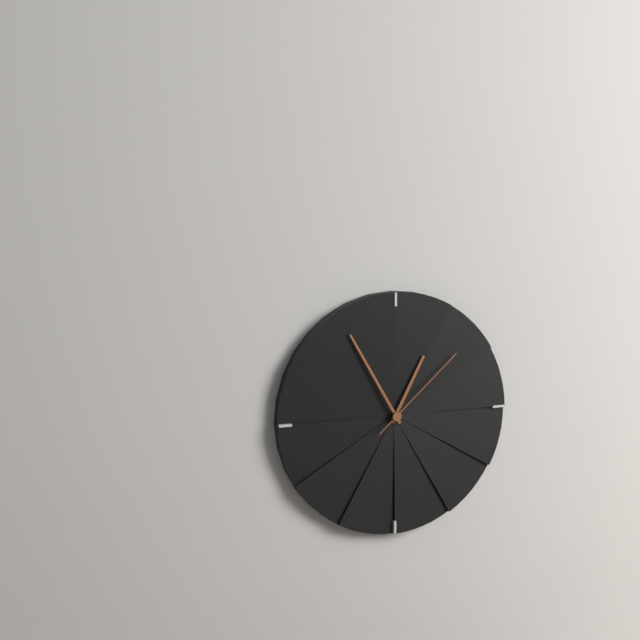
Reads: h=12 m=55 s=8
